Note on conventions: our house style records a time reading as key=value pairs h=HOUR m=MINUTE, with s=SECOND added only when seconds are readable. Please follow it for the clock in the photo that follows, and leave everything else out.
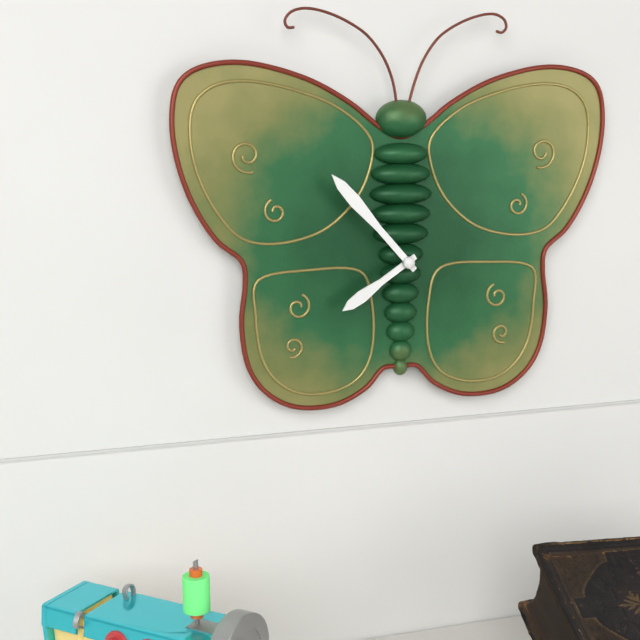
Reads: h=7 m=53
